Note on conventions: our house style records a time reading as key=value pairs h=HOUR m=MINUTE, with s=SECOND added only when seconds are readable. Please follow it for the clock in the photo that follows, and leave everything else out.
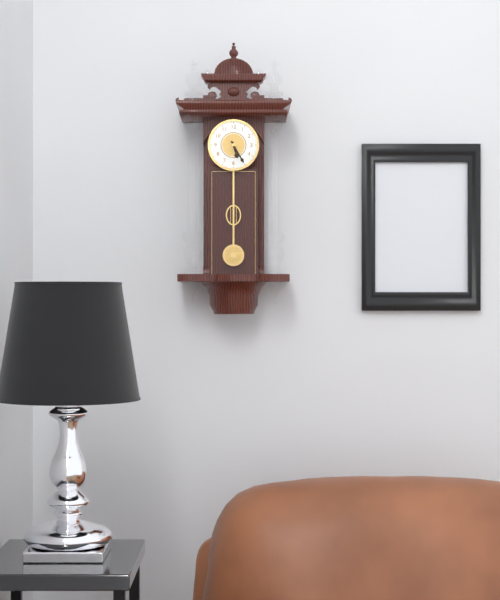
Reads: h=5 m=25
